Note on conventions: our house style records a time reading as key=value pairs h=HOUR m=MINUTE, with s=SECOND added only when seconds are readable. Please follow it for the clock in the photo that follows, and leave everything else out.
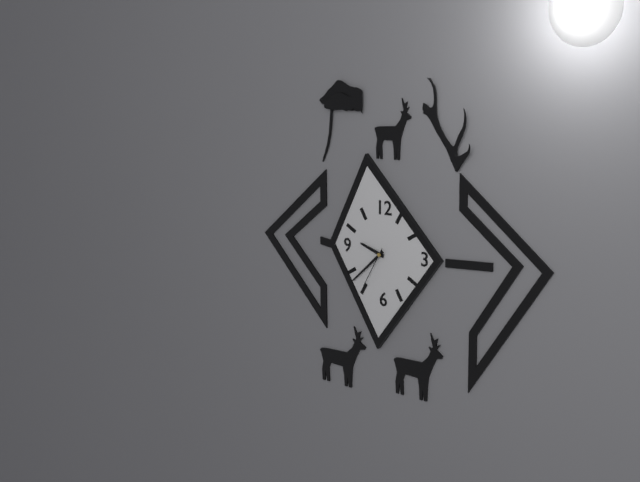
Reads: h=9 m=38
